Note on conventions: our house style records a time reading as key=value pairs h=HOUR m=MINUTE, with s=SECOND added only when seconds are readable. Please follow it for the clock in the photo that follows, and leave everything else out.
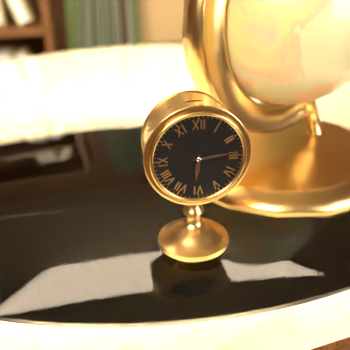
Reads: h=6 m=14
